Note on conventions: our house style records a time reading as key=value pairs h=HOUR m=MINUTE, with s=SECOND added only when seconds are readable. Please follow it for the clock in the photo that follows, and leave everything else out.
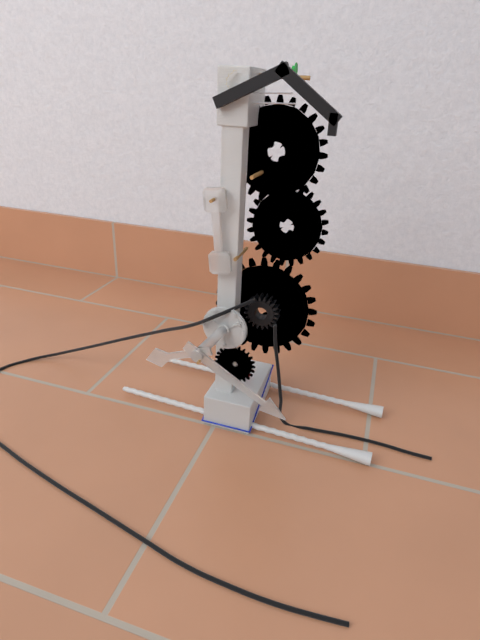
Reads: h=8 m=20
